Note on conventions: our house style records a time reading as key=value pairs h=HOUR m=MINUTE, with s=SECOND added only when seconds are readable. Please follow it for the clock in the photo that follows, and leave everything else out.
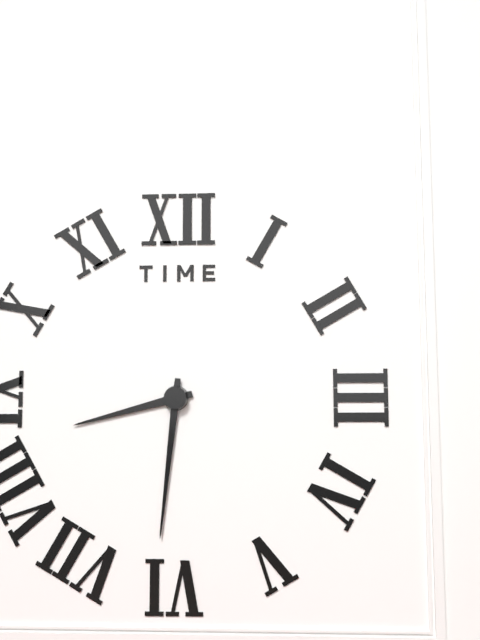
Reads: h=8 m=31
